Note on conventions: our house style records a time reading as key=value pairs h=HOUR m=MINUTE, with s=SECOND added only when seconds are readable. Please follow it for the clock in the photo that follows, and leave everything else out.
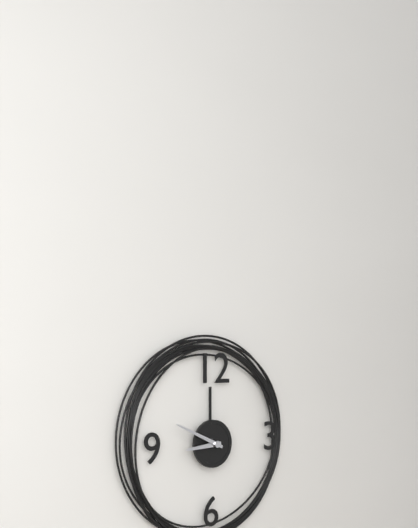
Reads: h=8 m=49
